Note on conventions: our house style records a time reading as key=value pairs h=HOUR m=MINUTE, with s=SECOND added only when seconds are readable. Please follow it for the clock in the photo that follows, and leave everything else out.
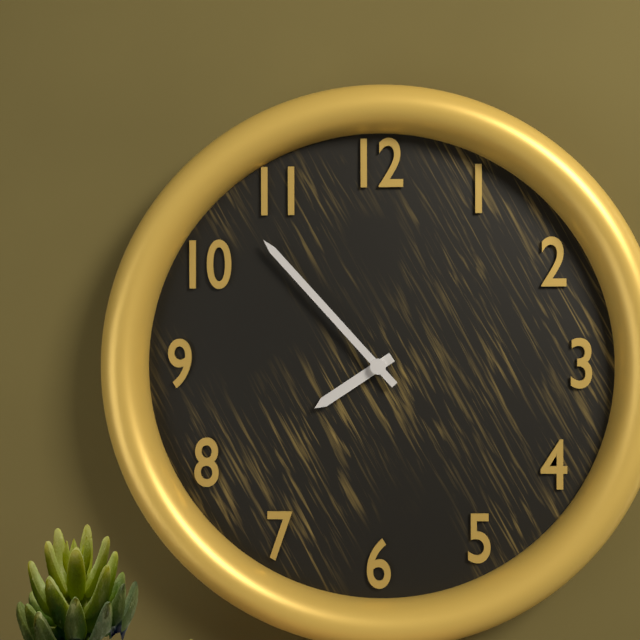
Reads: h=7 m=53
